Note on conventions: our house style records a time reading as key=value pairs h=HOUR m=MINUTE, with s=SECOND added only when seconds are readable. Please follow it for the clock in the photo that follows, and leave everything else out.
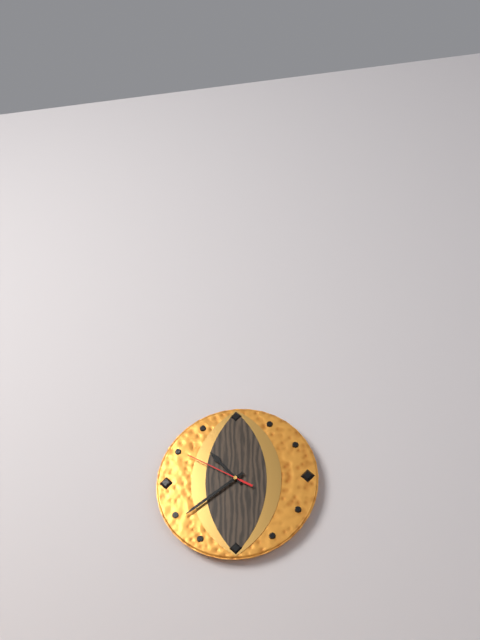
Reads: h=10 m=39 s=50
